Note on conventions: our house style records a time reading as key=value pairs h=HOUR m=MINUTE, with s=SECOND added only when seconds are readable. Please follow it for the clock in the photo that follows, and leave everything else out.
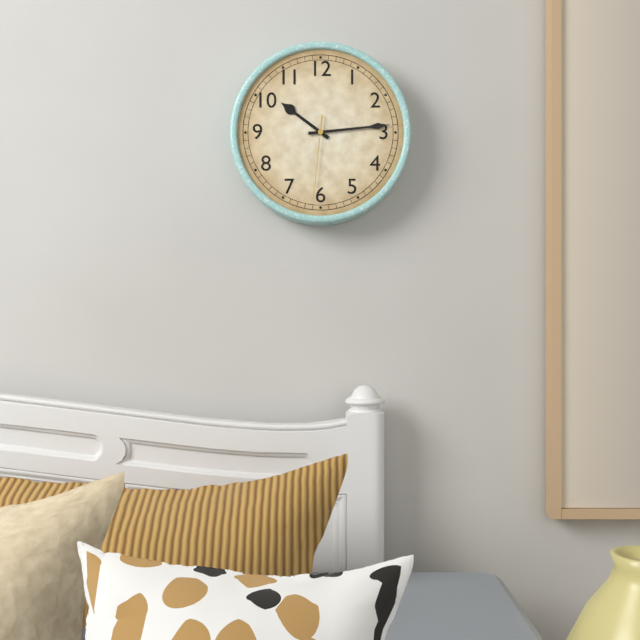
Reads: h=10 m=14 s=31
